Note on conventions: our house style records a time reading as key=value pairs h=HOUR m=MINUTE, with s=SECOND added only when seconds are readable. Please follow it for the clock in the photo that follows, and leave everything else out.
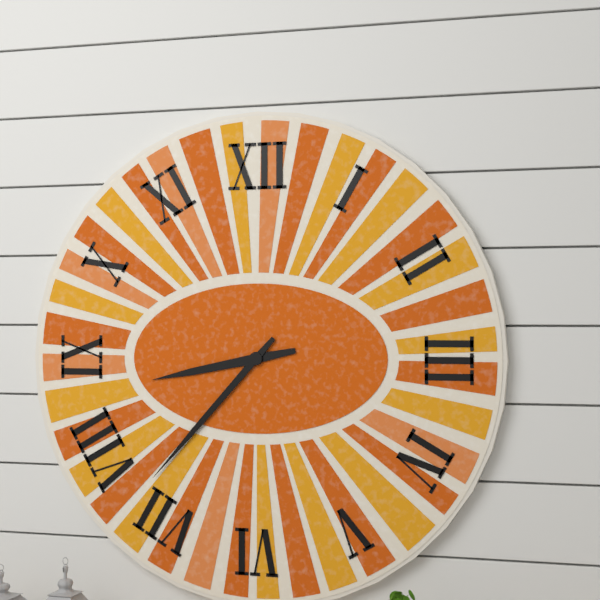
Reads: h=8 m=37
